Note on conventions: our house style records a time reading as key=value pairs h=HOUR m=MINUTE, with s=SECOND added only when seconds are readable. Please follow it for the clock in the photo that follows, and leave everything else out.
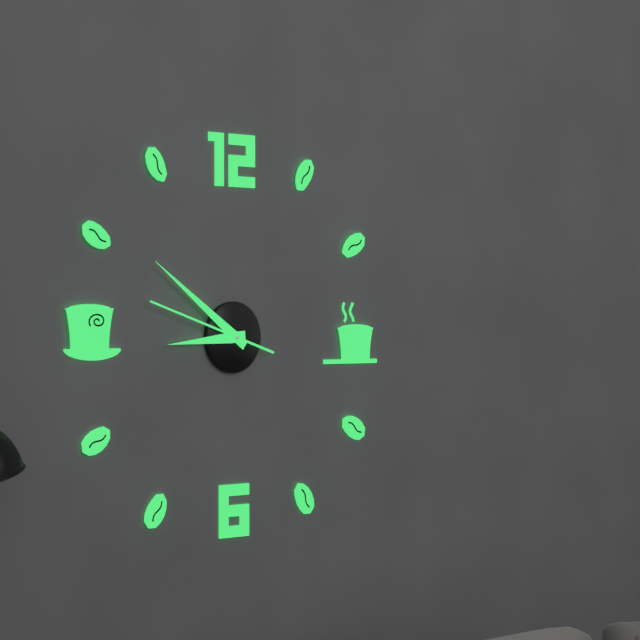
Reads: h=8 m=51 s=48
